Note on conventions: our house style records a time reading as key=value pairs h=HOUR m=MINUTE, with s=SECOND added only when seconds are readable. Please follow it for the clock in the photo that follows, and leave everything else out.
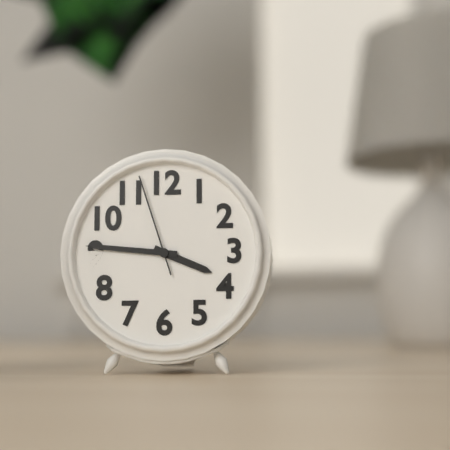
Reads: h=3 m=46 s=57
